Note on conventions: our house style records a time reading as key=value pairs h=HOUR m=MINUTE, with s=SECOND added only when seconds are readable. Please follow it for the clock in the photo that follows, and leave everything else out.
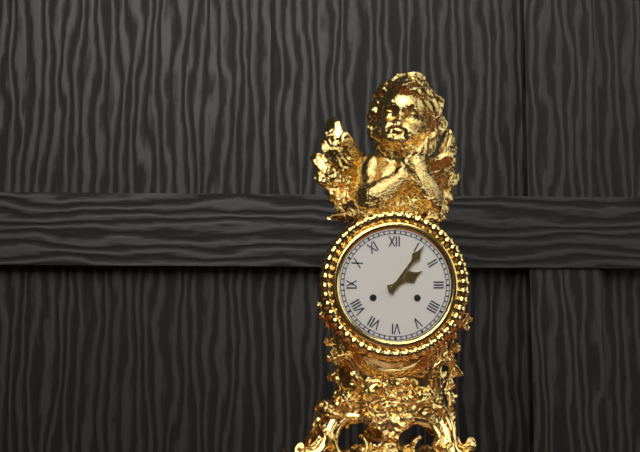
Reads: h=2 m=6
